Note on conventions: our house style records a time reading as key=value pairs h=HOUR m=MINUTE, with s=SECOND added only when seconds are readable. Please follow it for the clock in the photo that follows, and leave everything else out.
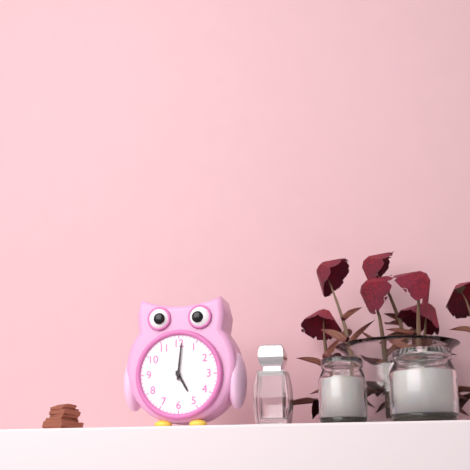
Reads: h=5 m=1
